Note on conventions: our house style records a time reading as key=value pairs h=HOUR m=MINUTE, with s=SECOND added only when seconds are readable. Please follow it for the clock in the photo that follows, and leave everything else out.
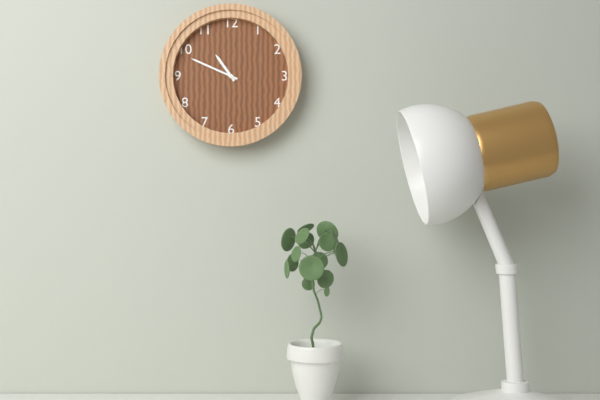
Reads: h=10 m=49
